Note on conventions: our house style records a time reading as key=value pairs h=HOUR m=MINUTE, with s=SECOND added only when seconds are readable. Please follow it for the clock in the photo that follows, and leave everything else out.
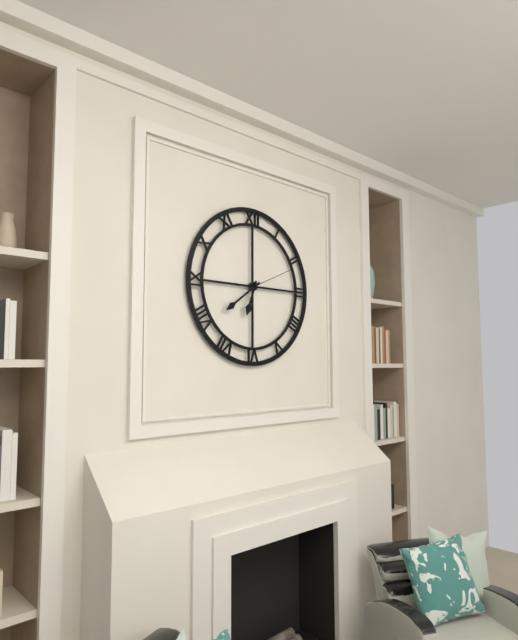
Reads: h=6 m=39 s=11
